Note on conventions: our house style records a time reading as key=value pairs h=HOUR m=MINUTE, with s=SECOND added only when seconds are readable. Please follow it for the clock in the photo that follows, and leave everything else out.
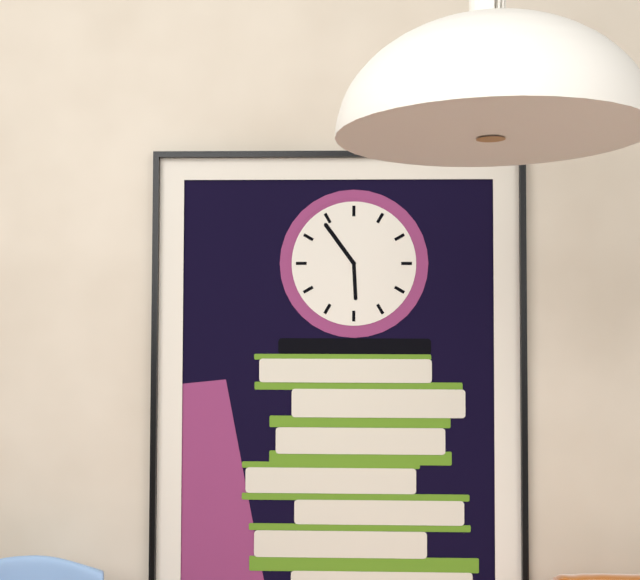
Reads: h=5 m=54
